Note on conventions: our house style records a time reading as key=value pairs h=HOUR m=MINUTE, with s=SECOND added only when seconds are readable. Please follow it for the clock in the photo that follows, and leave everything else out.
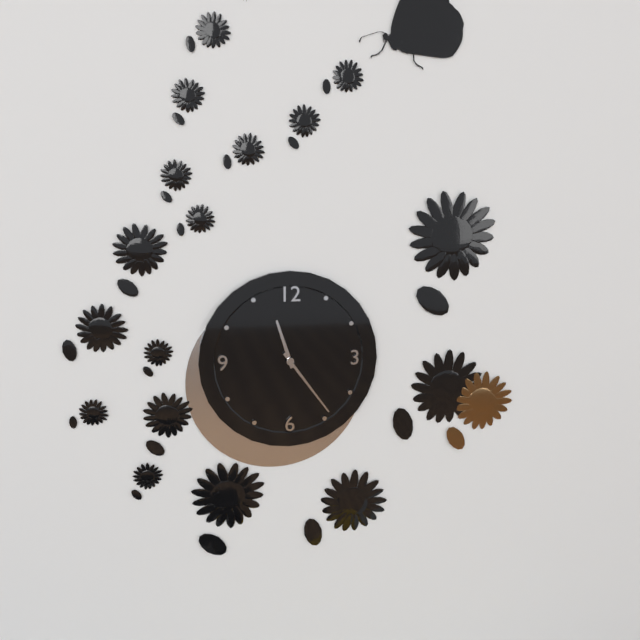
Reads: h=11 m=24
